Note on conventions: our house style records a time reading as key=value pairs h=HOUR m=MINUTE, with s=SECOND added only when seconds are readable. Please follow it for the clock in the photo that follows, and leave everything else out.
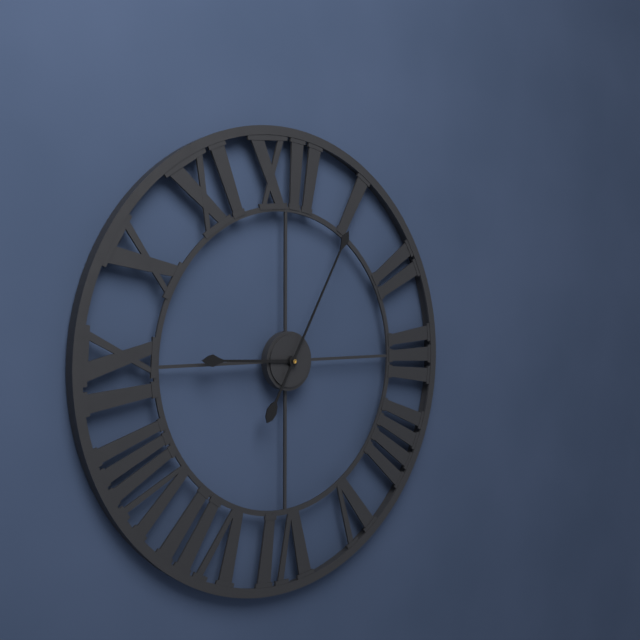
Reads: h=9 m=5
